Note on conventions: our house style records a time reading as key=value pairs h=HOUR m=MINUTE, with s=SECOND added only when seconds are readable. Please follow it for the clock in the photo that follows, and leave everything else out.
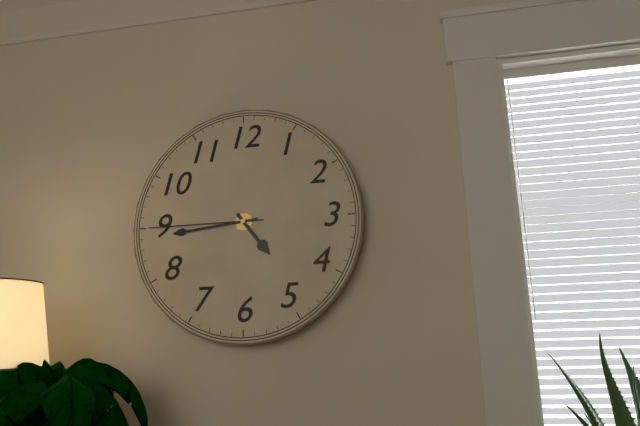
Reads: h=4 m=44 s=45
